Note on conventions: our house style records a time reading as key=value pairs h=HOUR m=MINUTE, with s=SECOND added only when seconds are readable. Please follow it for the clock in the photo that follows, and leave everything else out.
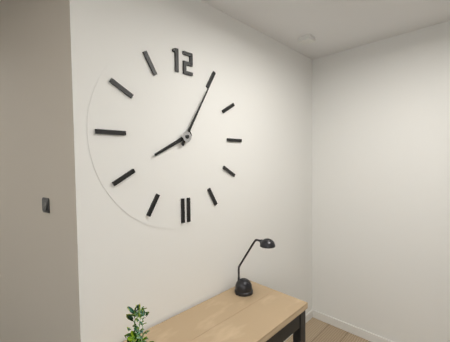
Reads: h=8 m=5
